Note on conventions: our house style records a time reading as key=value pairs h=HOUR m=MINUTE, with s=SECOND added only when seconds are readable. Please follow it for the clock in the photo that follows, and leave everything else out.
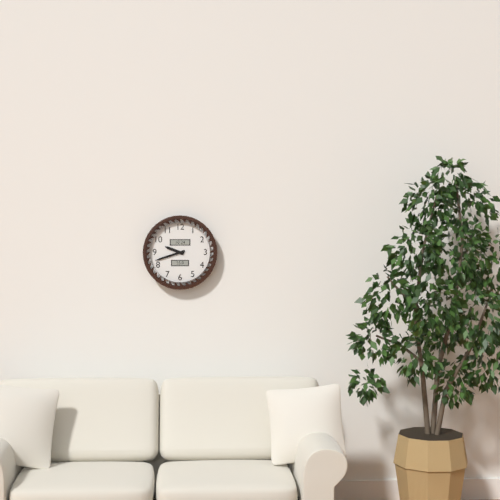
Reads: h=9 m=42
